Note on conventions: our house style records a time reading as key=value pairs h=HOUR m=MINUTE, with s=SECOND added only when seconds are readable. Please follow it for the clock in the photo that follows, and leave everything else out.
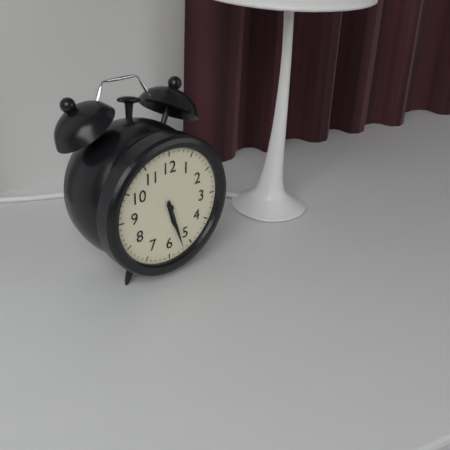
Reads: h=5 m=27
